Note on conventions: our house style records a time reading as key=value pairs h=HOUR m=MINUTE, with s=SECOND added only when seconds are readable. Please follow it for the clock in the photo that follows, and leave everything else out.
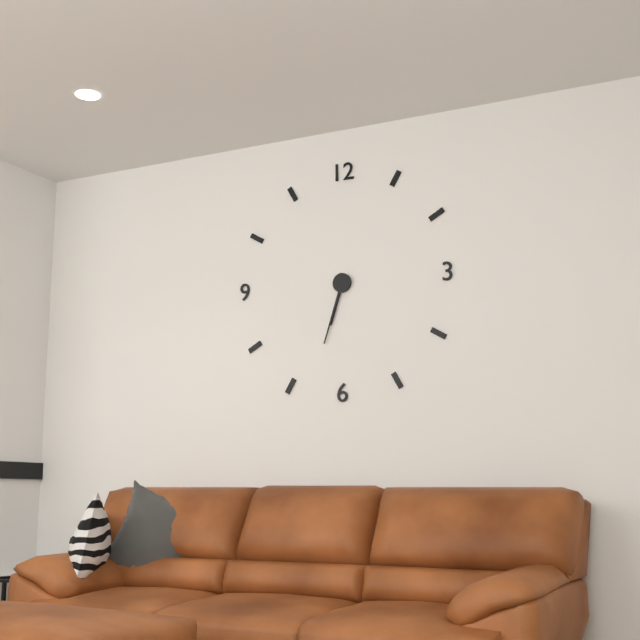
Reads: h=6 m=33
